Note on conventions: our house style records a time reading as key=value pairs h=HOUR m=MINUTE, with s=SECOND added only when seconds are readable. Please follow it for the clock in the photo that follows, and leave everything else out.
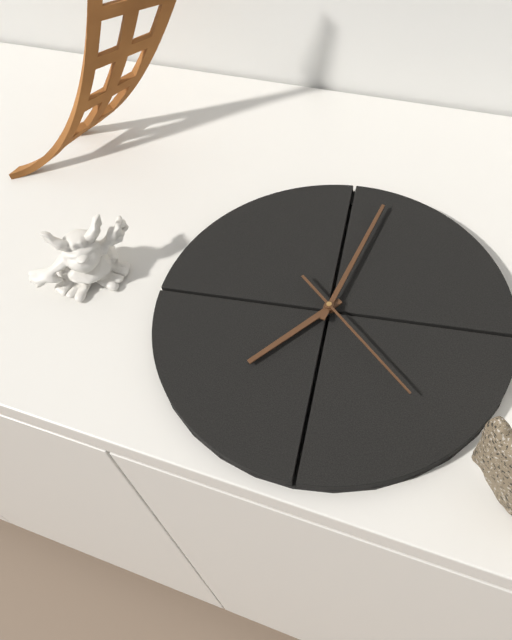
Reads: h=8 m=6 s=26
